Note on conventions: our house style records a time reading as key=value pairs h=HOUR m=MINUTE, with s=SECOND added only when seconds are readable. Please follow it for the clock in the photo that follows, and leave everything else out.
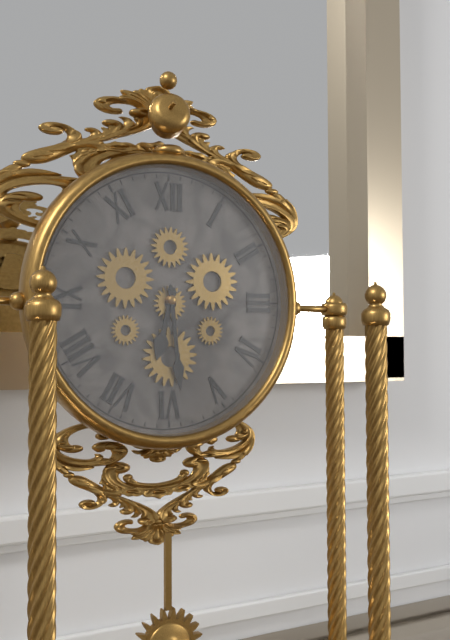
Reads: h=6 m=29
